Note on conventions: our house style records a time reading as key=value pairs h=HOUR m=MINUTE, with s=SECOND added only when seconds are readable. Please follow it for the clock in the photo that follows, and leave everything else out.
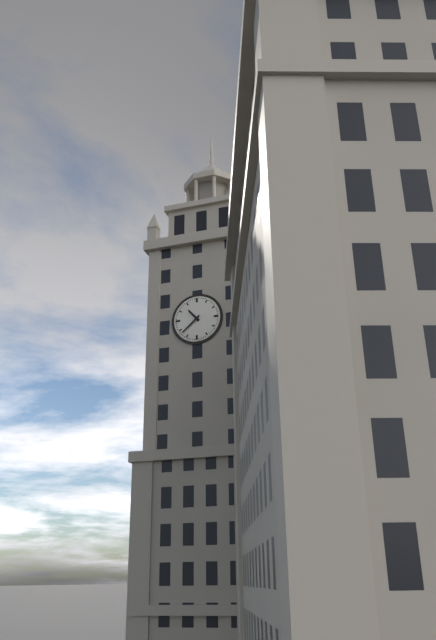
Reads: h=10 m=38
